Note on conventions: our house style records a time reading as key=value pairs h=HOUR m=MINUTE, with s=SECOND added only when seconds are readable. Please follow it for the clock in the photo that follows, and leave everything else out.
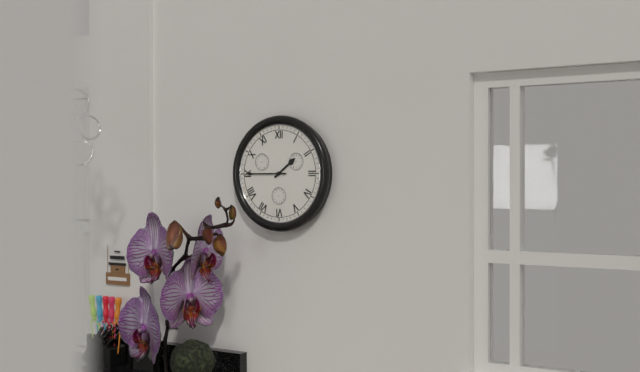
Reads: h=1 m=45
